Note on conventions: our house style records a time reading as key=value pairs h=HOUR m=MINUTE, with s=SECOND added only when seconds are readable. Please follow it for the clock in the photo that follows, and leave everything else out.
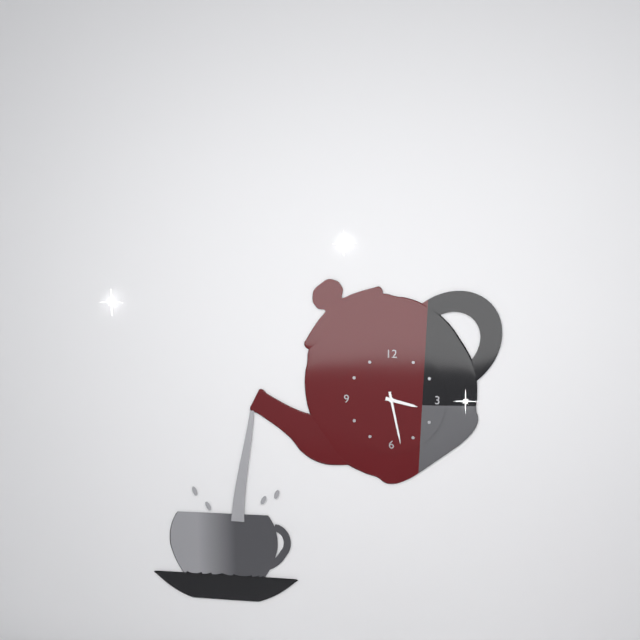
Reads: h=3 m=28
